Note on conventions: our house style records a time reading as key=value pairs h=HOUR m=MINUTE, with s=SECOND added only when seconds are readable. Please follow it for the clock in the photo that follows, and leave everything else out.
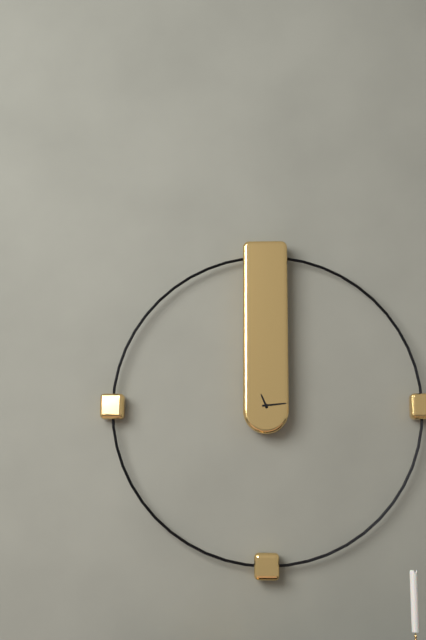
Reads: h=11 m=14
